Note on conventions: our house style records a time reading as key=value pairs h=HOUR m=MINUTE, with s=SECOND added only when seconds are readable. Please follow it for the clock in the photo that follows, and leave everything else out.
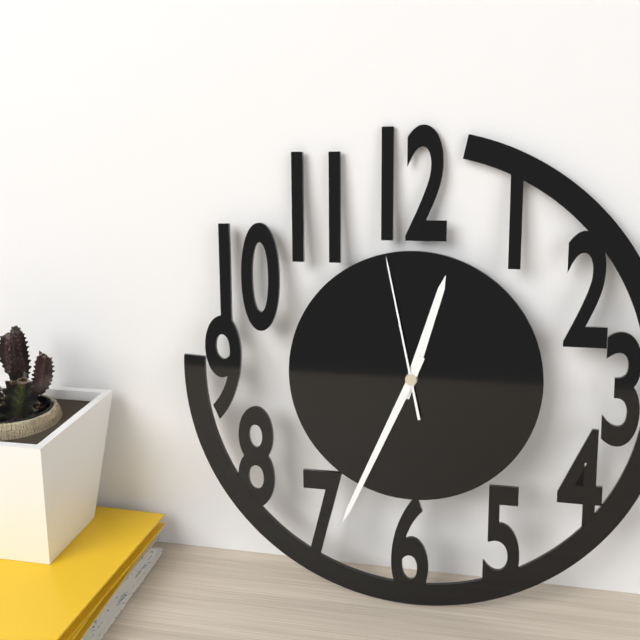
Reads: h=12 m=34 s=58
